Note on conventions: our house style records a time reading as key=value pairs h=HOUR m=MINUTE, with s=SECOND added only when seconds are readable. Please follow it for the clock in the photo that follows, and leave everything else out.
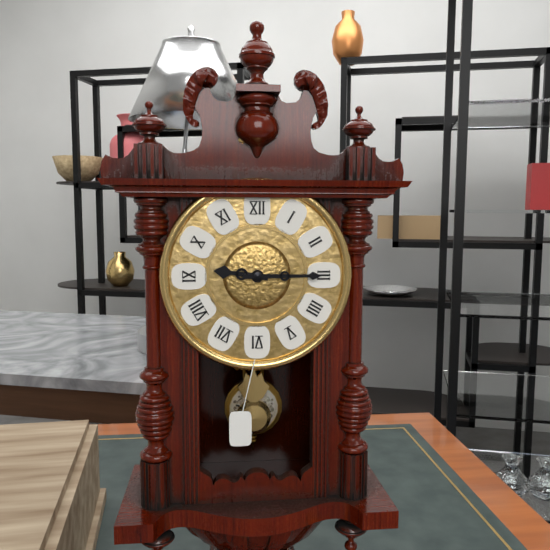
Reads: h=9 m=15
